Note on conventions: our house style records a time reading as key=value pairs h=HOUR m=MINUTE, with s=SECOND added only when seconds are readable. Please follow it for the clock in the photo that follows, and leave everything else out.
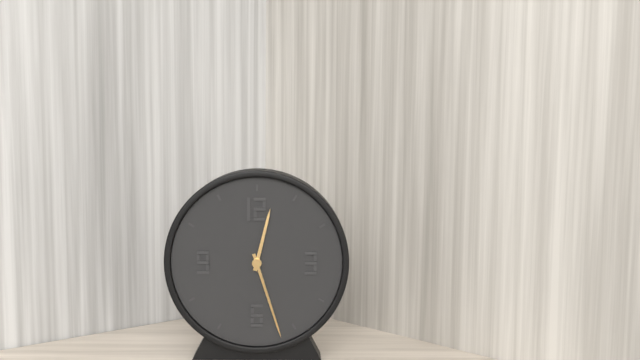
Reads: h=12 m=27
